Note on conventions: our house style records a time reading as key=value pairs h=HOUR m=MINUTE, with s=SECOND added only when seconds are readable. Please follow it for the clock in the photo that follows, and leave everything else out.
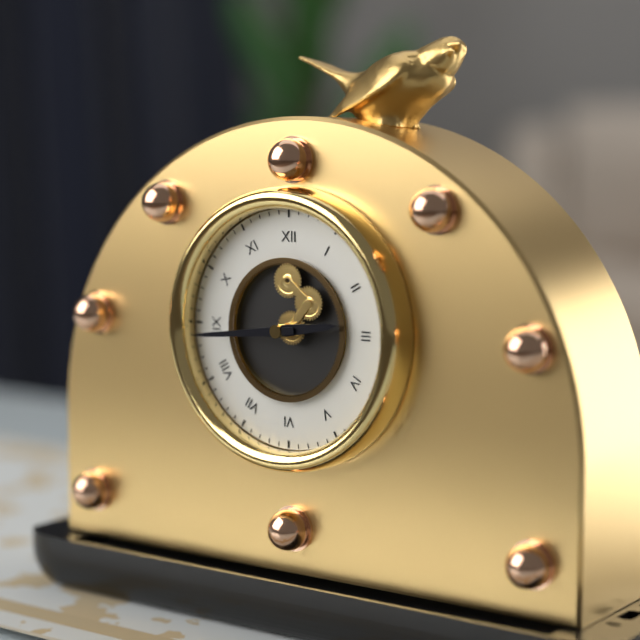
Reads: h=2 m=44
